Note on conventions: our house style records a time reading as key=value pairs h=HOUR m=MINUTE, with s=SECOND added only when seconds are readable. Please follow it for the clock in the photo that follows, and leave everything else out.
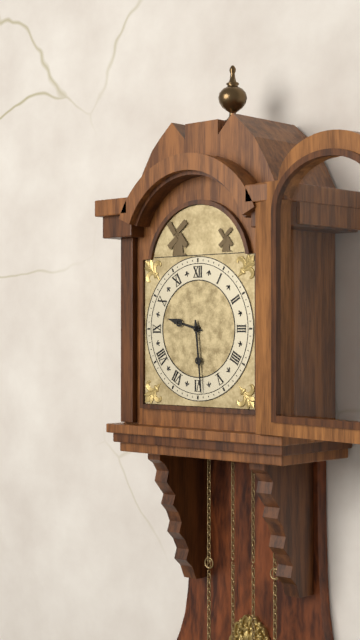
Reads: h=9 m=29
